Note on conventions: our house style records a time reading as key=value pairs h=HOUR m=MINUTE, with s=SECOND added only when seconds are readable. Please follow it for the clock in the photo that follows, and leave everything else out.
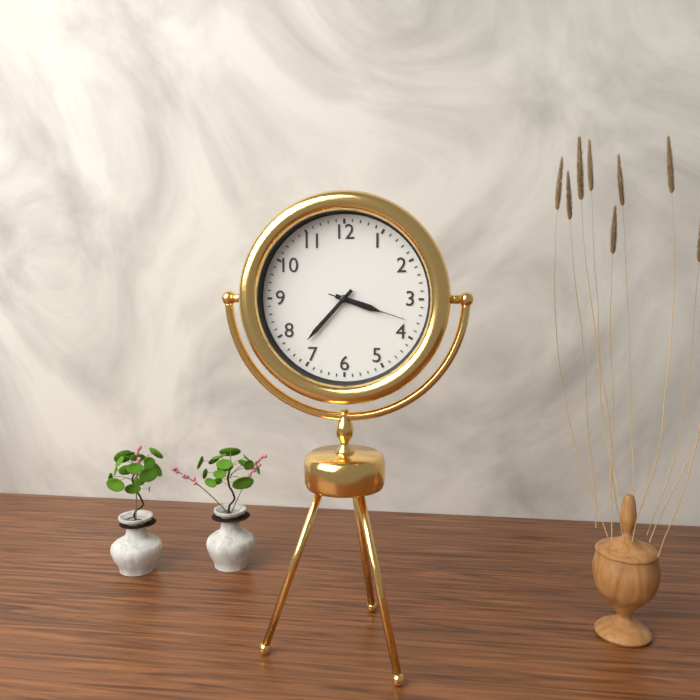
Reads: h=3 m=37 s=18
